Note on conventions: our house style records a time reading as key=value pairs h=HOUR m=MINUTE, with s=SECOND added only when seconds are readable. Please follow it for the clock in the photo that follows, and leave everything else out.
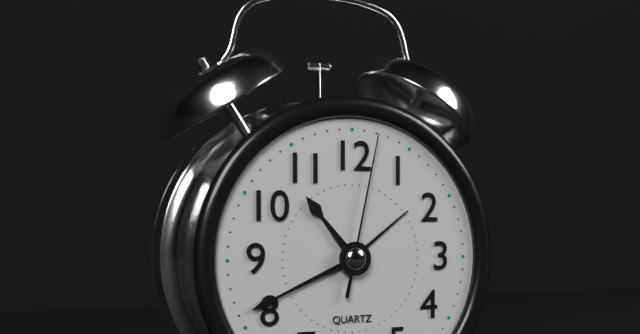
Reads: h=10 m=41 s=2
